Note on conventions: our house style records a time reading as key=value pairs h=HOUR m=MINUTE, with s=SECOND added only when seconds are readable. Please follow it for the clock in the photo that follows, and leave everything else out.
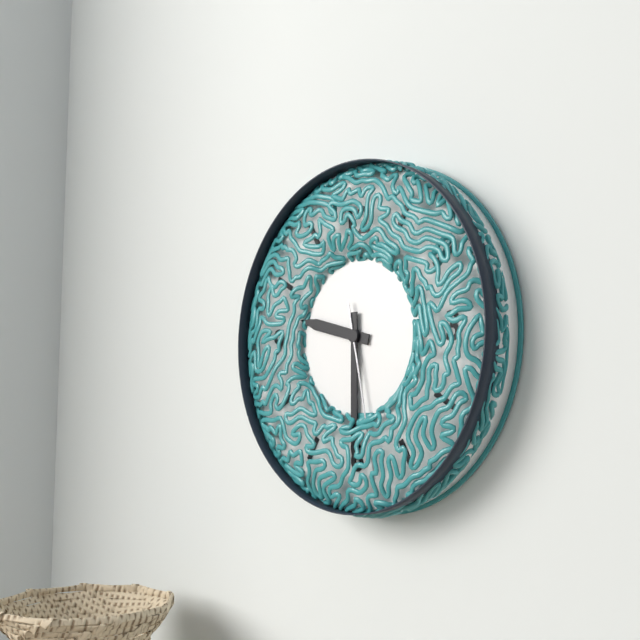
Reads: h=9 m=30 s=28
